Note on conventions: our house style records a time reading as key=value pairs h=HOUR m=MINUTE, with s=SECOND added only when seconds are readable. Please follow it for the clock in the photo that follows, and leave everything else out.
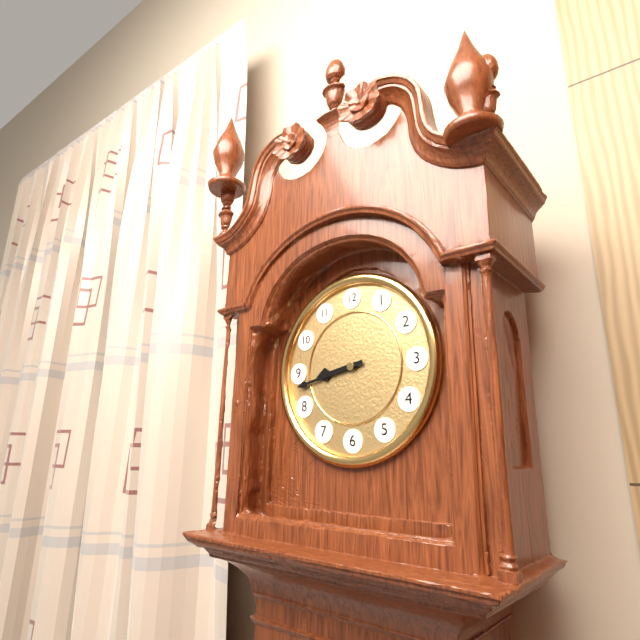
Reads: h=8 m=43
